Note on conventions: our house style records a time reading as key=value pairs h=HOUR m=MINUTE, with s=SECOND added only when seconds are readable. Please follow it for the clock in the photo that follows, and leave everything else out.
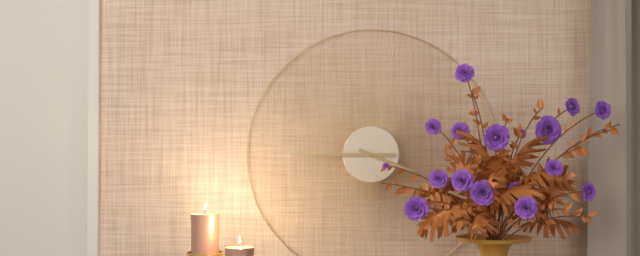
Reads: h=3 m=45
